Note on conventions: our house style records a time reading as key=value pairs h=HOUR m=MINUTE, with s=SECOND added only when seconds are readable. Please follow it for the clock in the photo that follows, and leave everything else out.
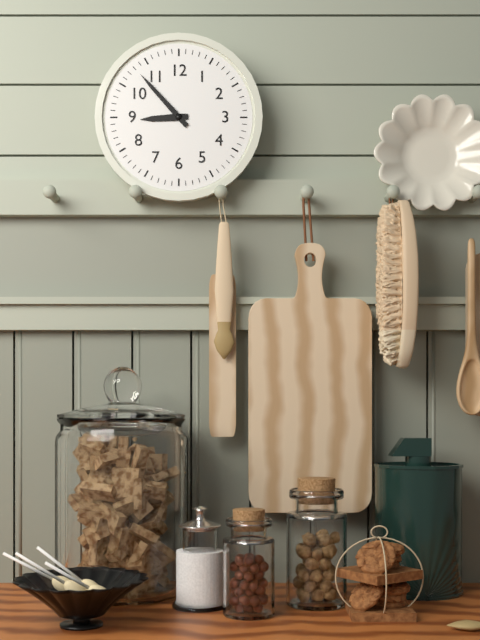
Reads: h=8 m=53
